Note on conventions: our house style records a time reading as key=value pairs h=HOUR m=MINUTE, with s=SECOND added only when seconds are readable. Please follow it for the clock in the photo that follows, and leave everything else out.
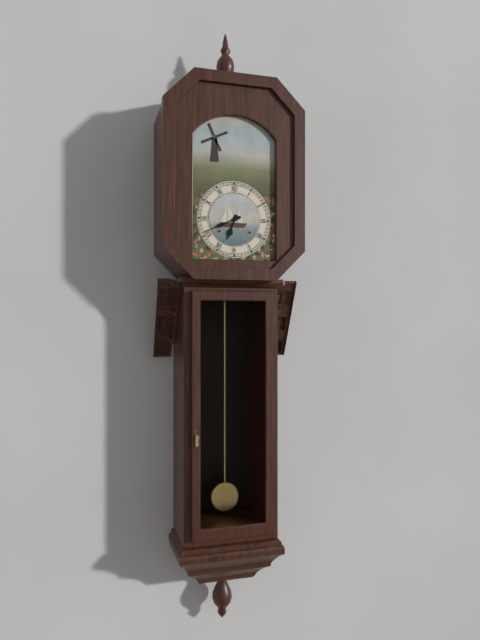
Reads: h=6 m=41
